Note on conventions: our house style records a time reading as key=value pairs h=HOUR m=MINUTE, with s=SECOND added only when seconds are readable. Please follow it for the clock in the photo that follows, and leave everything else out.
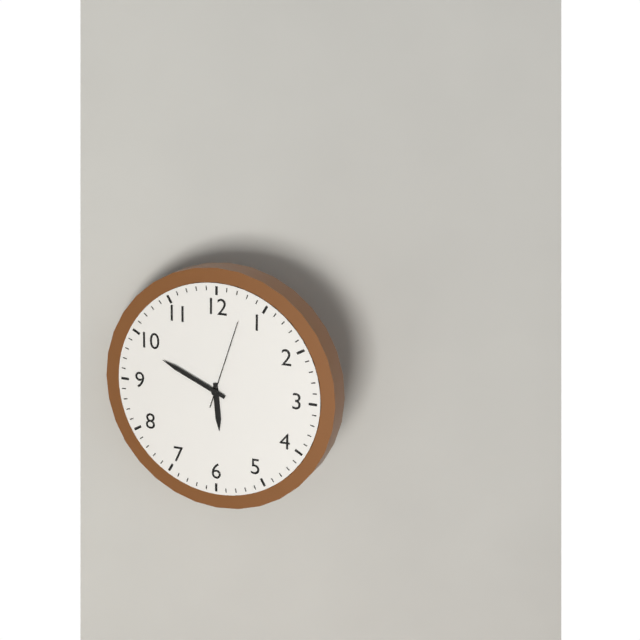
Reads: h=5 m=49 s=3
